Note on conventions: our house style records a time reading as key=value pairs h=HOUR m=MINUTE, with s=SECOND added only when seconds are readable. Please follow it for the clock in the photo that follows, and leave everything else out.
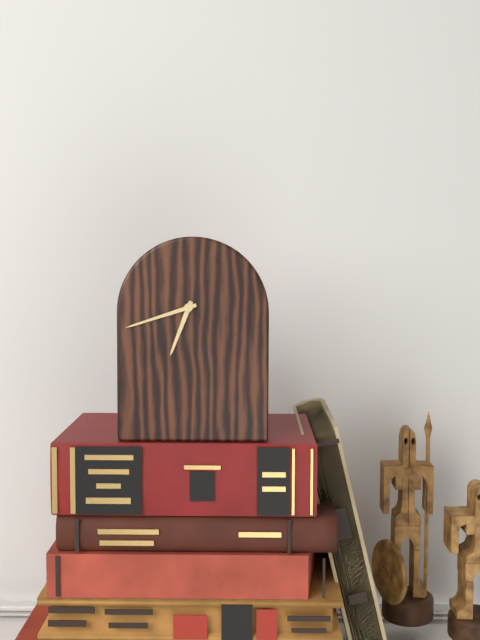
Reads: h=6 m=42
